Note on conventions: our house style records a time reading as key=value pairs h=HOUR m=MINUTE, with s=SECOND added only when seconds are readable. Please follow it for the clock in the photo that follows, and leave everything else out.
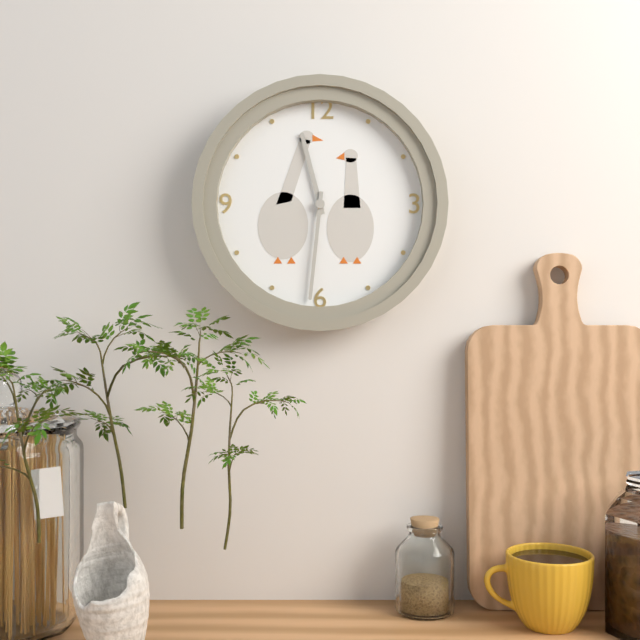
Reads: h=11 m=31
